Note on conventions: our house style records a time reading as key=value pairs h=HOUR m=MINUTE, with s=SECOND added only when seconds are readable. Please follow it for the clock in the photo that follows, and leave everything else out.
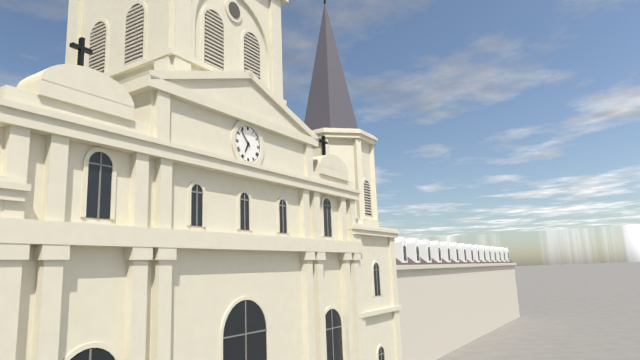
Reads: h=6 m=53
